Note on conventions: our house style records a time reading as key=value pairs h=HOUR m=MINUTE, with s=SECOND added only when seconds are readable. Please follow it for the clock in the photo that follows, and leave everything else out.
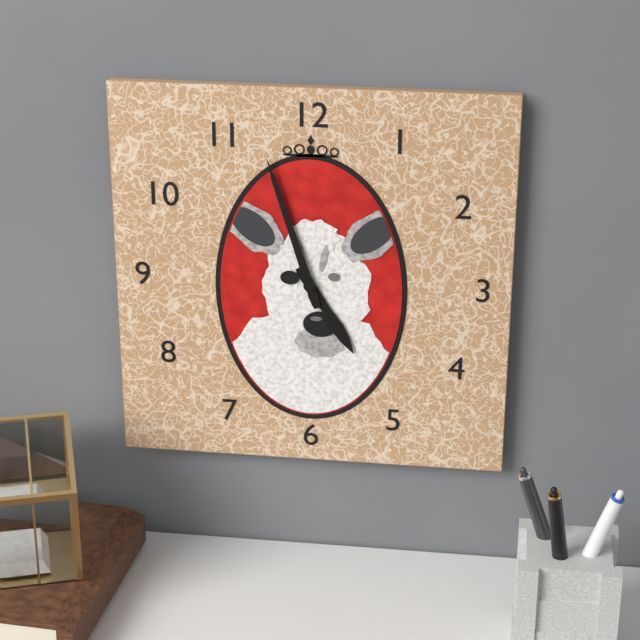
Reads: h=4 m=57
